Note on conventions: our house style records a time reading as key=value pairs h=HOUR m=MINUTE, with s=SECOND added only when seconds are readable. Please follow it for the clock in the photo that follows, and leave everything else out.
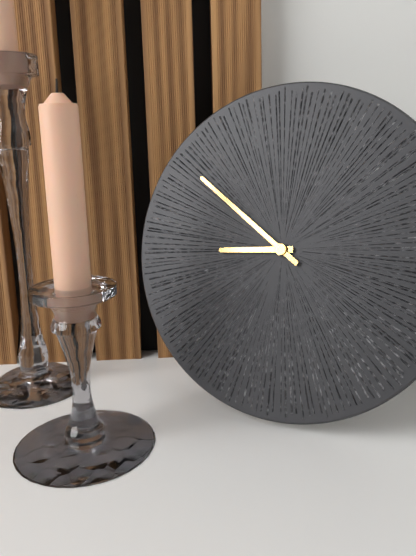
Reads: h=8 m=51
